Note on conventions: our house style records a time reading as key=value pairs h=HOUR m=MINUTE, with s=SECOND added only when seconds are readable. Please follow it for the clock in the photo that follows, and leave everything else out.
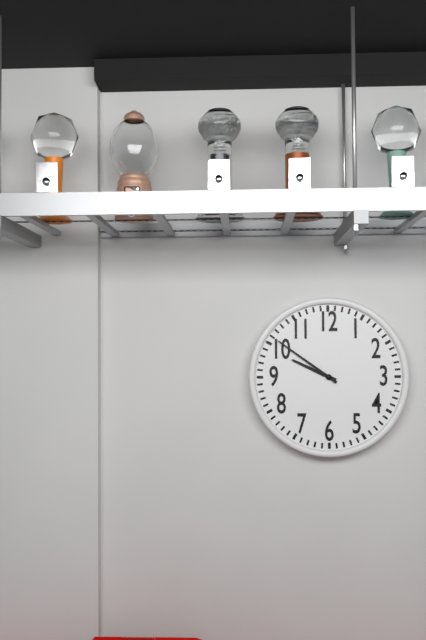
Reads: h=9 m=51
